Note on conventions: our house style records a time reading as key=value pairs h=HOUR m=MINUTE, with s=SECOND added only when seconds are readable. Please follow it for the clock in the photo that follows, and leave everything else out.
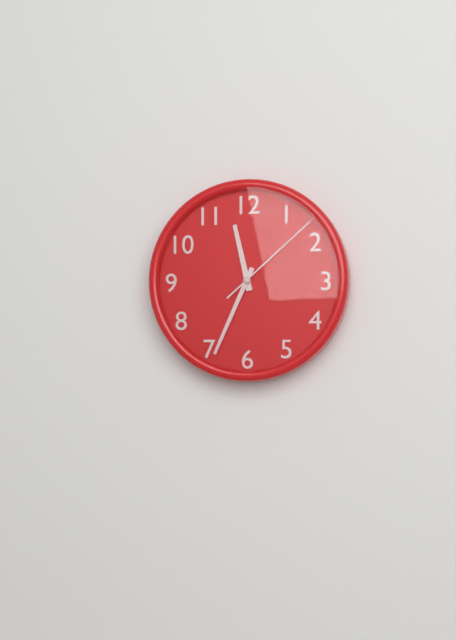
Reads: h=11 m=34 s=8
